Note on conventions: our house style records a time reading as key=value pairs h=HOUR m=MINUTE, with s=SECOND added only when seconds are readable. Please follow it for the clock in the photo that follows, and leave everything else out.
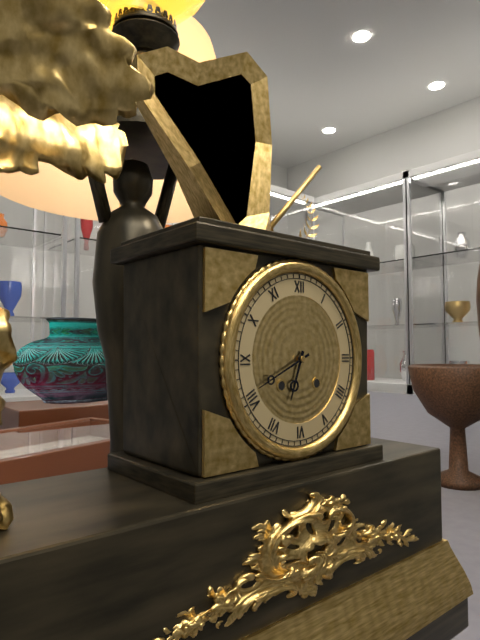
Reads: h=6 m=41
